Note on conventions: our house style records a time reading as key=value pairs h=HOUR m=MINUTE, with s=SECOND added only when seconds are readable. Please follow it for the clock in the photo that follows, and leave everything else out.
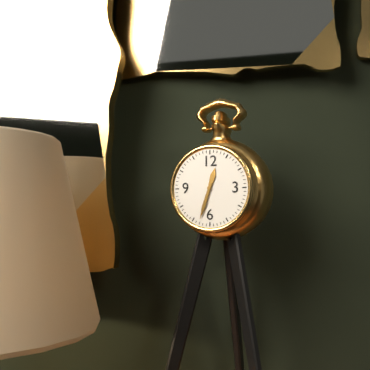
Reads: h=12 m=33
